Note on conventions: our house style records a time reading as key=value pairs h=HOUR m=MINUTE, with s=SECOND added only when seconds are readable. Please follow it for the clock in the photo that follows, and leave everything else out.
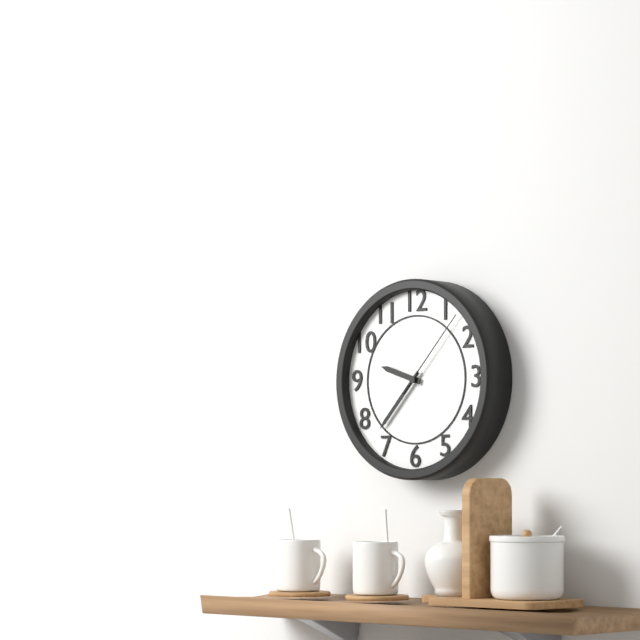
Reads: h=9 m=37 s=7
